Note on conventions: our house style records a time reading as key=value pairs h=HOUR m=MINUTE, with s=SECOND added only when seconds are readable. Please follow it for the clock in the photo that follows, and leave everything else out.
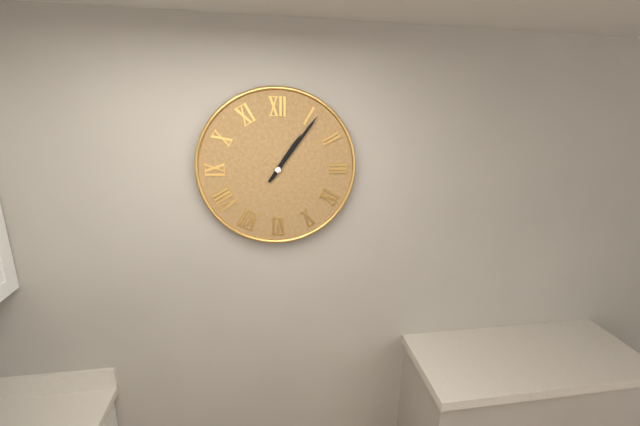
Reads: h=1 m=6
